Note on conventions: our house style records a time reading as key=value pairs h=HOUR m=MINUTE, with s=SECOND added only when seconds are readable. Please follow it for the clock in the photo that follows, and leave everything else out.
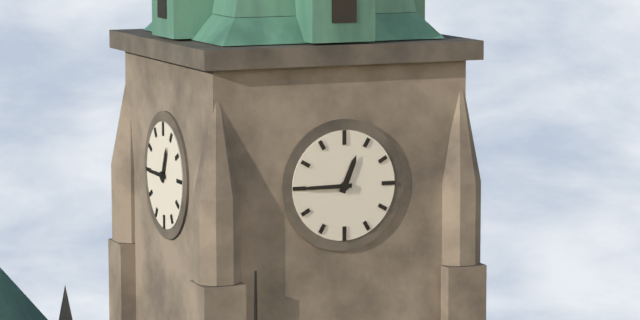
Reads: h=12 m=45
